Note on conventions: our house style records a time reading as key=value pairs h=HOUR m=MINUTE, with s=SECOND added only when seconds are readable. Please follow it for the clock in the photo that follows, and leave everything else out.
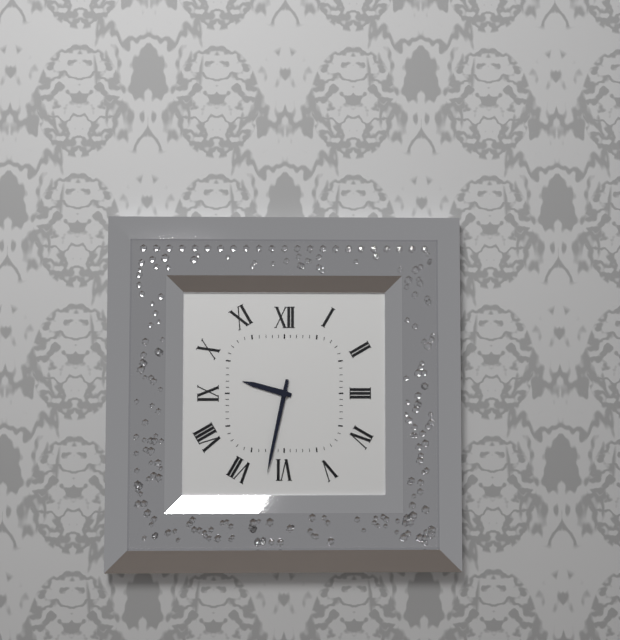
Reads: h=9 m=32
